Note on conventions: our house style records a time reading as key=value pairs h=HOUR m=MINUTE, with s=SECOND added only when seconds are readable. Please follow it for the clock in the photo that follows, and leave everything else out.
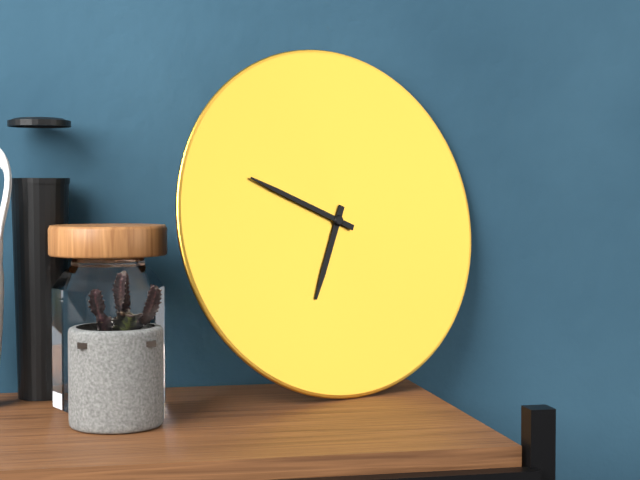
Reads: h=6 m=49
